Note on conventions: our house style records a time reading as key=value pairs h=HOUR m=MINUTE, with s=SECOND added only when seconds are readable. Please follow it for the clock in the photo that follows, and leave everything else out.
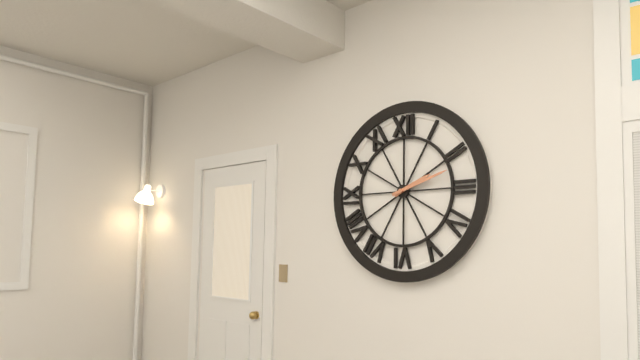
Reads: h=2 m=12
